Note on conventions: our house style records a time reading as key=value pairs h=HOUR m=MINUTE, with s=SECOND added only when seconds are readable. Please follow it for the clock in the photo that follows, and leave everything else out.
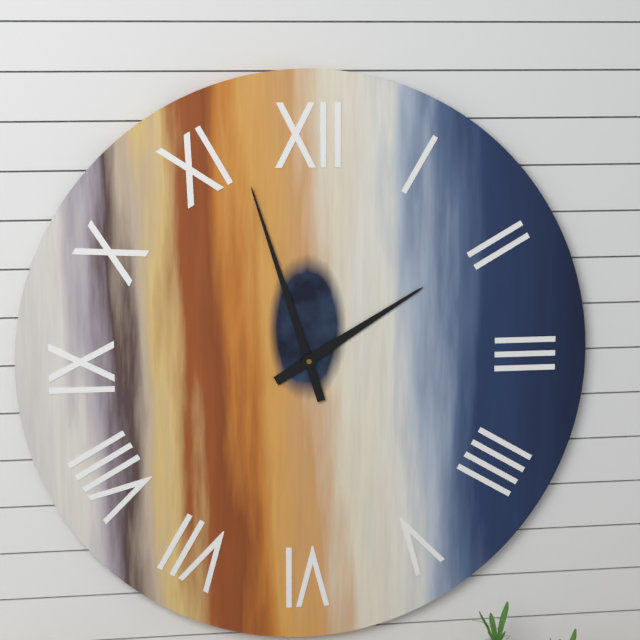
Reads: h=1 m=57
